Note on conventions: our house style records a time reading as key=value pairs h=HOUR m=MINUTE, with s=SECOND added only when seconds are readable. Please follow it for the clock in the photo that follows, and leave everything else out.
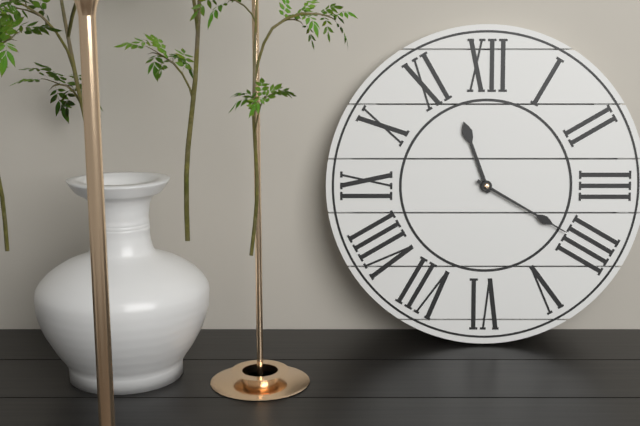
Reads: h=11 m=20
